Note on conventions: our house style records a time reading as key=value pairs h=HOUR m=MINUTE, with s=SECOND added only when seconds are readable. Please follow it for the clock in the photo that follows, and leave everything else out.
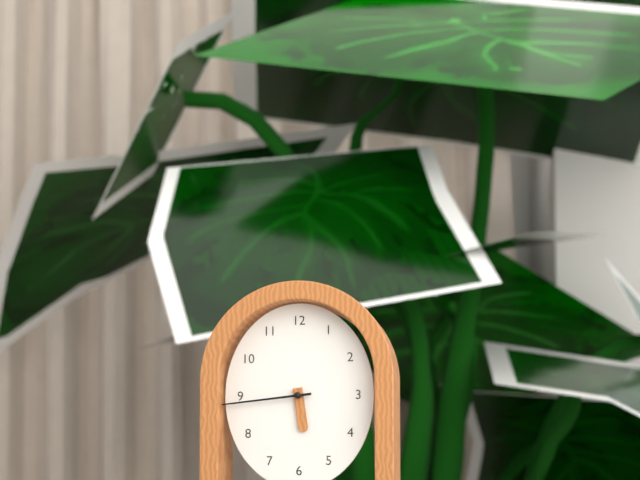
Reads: h=5 m=44
